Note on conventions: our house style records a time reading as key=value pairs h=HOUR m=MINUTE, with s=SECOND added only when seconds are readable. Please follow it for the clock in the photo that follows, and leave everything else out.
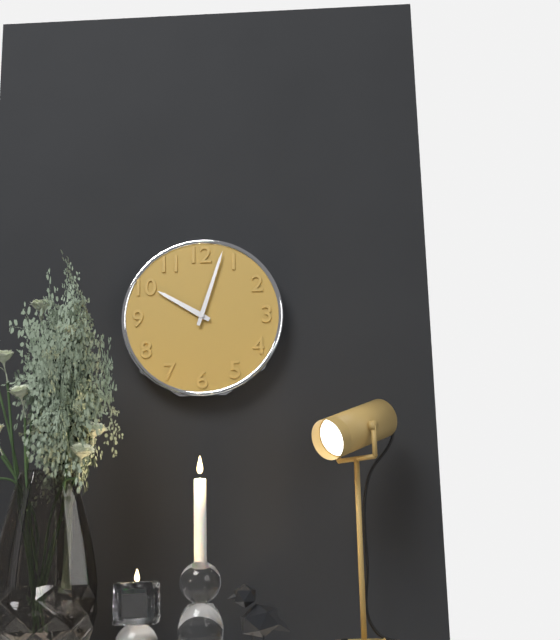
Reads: h=10 m=3
